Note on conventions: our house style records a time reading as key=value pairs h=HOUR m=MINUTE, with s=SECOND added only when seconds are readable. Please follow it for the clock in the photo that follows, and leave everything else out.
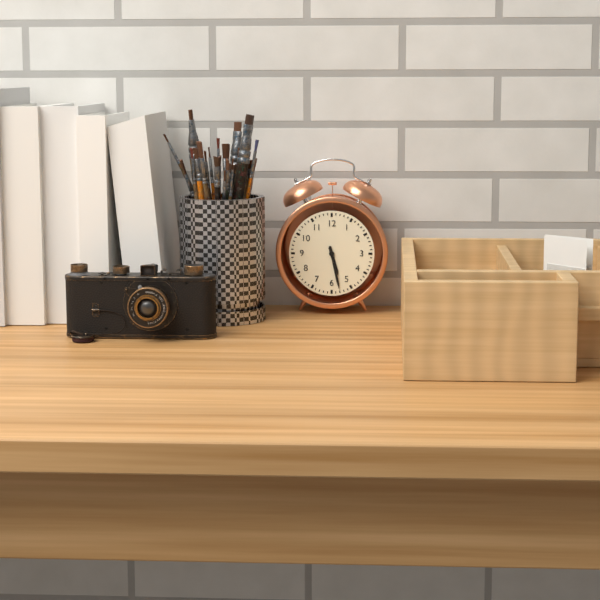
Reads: h=5 m=28
